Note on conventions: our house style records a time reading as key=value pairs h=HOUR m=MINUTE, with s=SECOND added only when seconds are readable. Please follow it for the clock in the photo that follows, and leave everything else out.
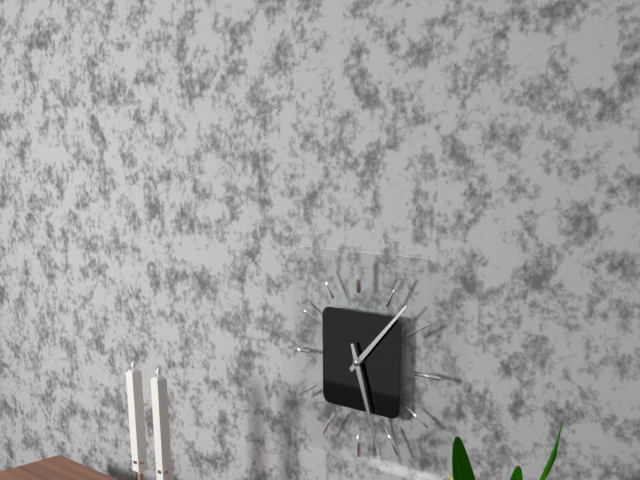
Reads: h=1 m=27
